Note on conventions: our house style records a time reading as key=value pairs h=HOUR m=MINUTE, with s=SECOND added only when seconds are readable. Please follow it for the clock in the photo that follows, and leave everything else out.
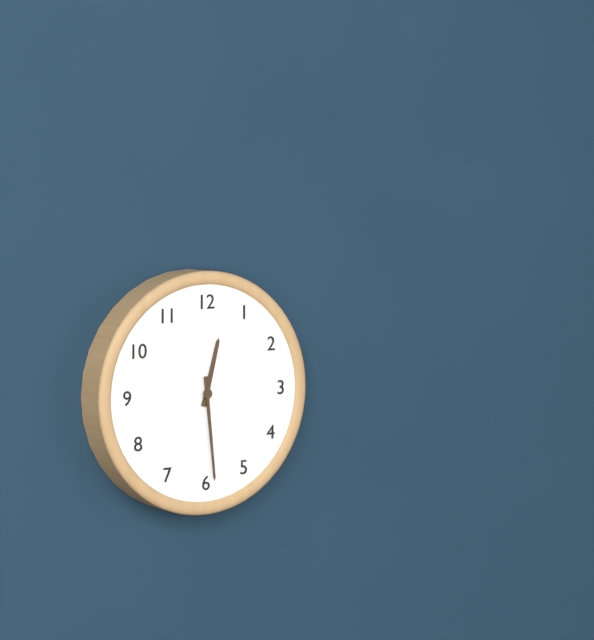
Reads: h=12 m=29
